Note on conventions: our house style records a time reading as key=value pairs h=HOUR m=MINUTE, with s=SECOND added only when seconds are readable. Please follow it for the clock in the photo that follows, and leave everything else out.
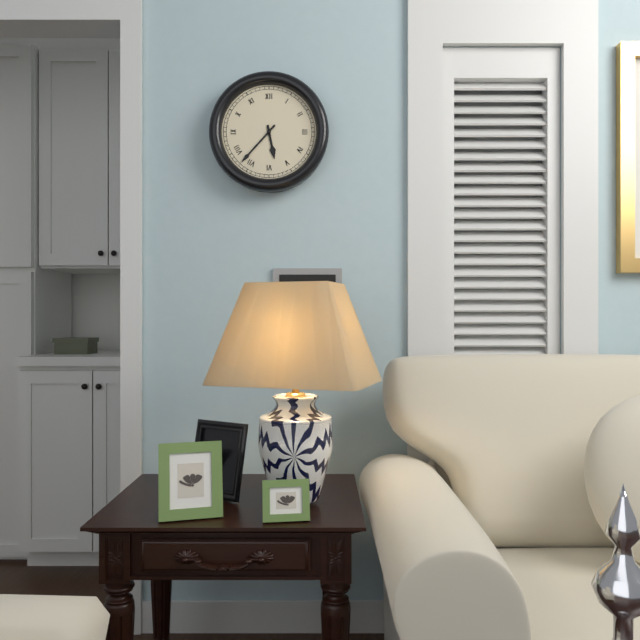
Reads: h=5 m=37
